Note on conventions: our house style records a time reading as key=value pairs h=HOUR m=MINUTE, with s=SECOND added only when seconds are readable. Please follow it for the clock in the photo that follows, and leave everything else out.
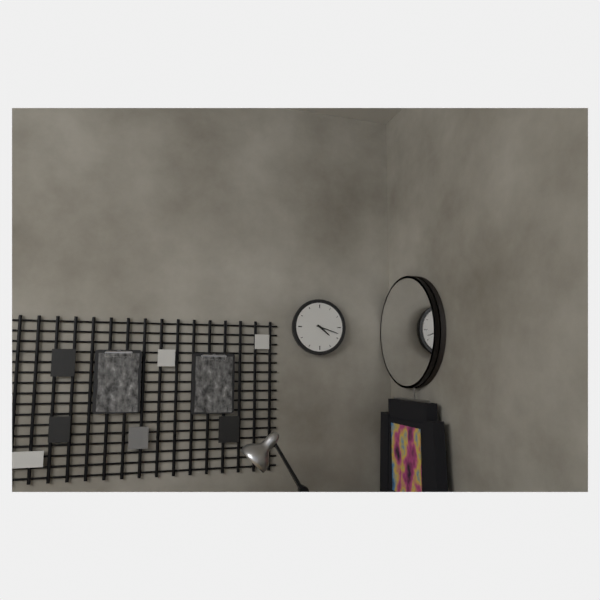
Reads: h=4 m=18
